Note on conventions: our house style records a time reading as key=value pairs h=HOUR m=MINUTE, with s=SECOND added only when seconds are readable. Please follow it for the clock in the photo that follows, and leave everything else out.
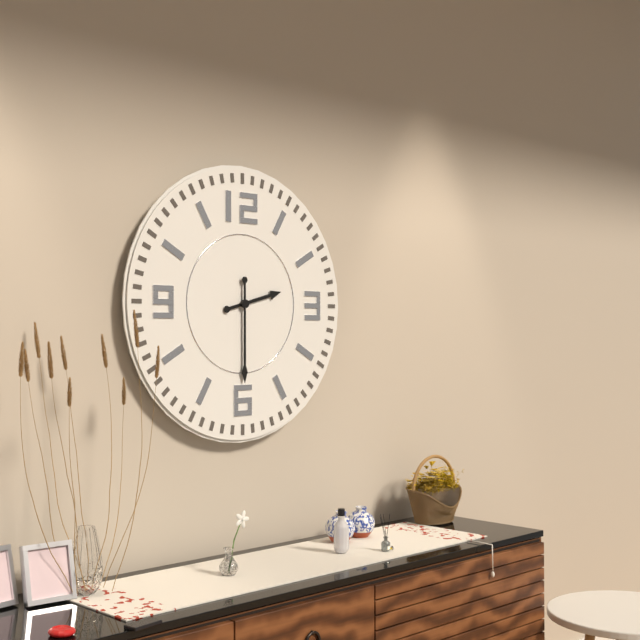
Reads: h=2 m=30
